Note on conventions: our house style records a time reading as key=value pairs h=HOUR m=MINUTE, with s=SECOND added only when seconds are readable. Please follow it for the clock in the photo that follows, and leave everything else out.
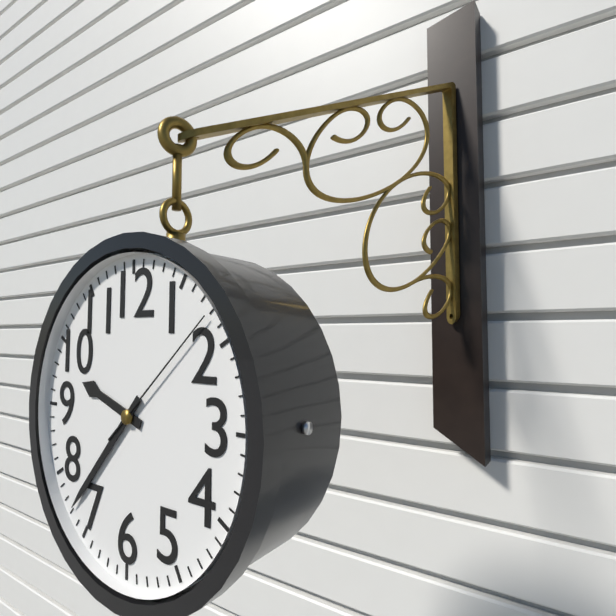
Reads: h=9 m=37 s=8
